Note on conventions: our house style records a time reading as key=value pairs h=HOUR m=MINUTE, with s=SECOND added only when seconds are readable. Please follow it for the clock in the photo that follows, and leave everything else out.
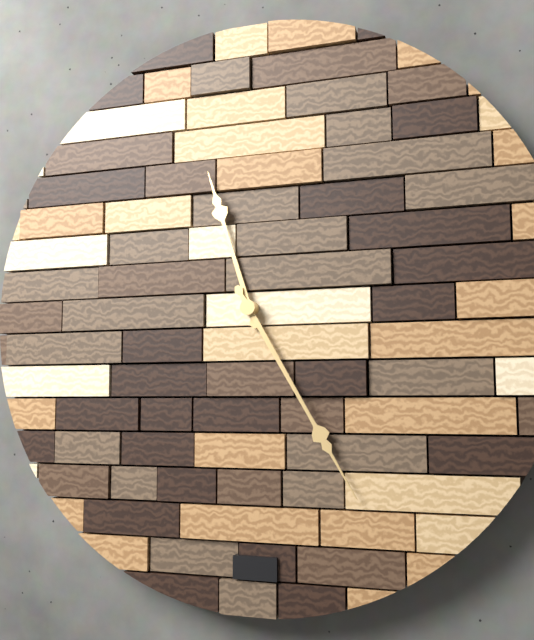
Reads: h=11 m=25
